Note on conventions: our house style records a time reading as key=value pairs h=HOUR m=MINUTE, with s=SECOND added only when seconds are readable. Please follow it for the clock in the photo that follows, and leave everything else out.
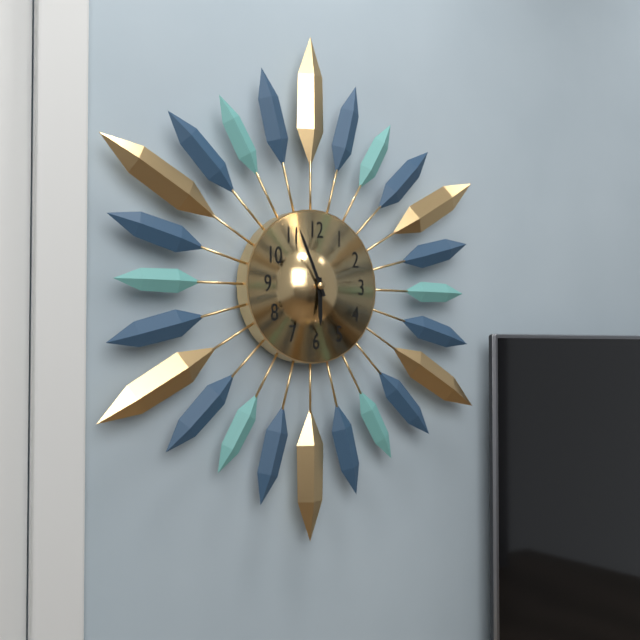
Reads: h=5 m=56
